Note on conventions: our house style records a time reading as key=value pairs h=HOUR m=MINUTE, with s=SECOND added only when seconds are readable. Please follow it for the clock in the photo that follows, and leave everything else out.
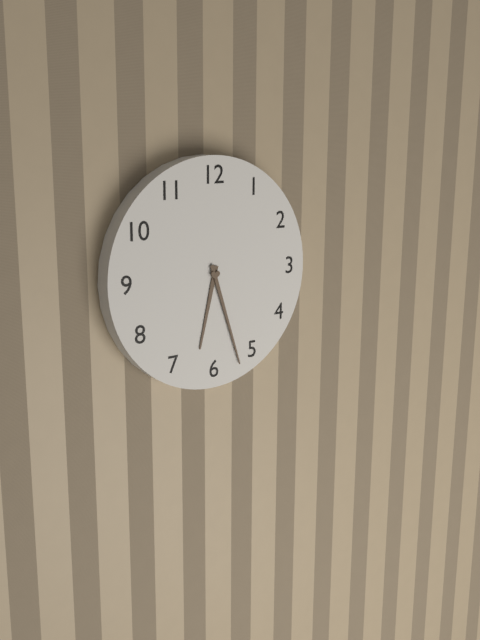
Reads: h=6 m=27
